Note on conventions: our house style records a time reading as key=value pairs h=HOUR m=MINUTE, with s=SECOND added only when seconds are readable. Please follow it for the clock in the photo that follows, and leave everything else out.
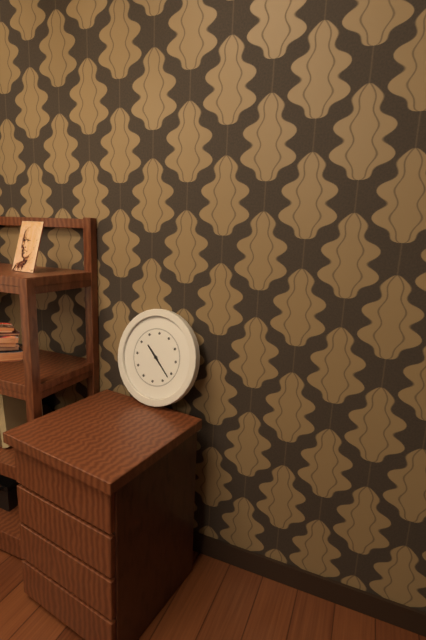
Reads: h=10 m=22
